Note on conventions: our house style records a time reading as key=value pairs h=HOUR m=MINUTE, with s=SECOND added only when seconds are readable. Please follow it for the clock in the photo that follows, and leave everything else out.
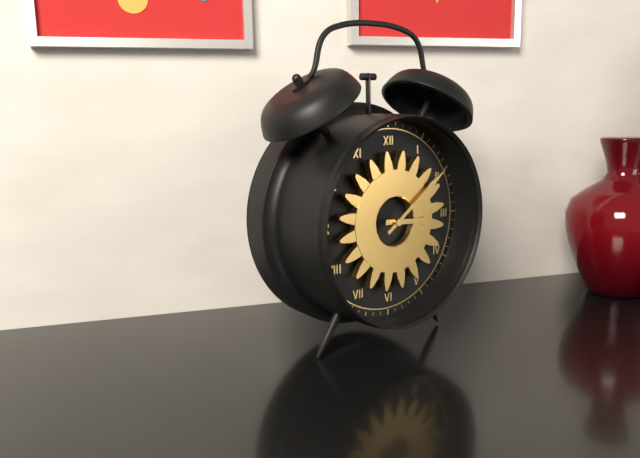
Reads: h=3 m=9
